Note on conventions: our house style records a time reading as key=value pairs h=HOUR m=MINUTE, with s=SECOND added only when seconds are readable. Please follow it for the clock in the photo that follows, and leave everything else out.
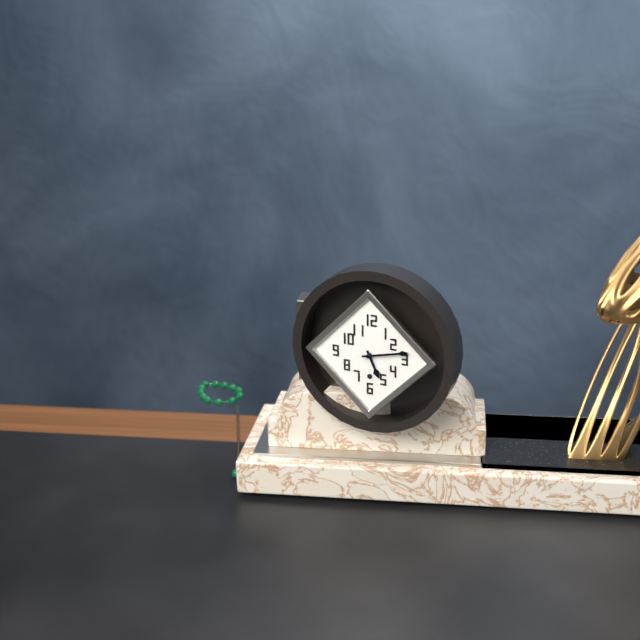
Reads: h=5 m=13
